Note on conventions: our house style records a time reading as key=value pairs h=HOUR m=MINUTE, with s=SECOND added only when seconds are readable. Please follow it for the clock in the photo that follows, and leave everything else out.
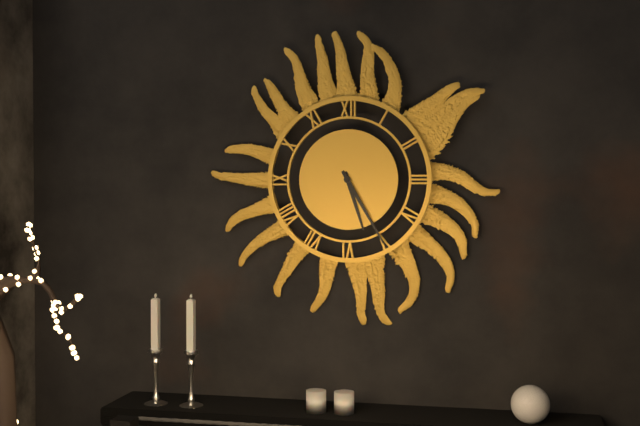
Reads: h=5 m=25
